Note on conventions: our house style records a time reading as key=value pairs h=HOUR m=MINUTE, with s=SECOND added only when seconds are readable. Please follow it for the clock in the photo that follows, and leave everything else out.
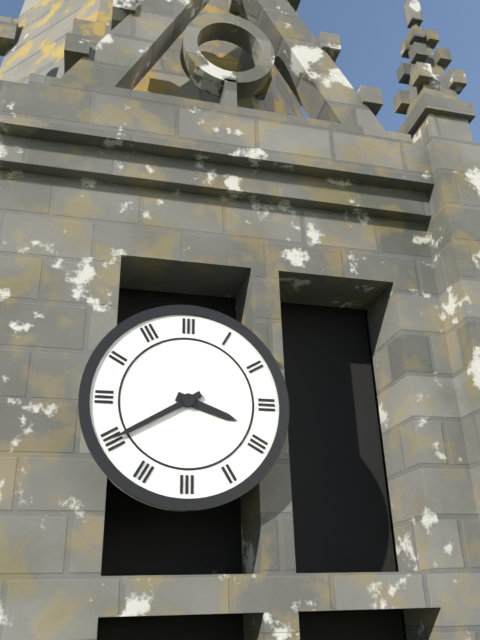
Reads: h=3 m=40
